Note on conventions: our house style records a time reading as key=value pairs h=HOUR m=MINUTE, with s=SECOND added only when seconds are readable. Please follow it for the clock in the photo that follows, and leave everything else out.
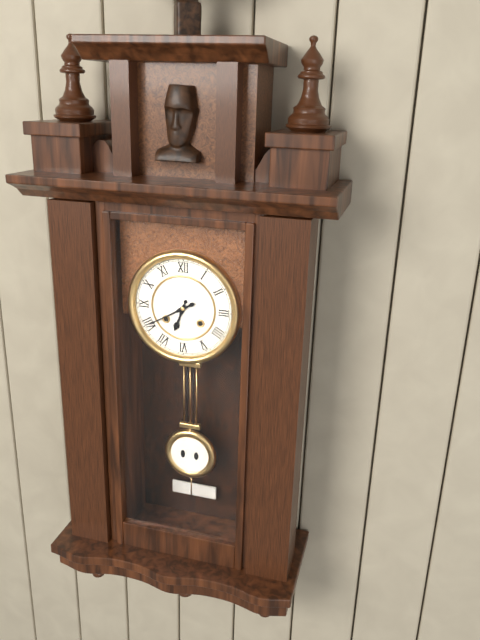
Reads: h=6 m=40
